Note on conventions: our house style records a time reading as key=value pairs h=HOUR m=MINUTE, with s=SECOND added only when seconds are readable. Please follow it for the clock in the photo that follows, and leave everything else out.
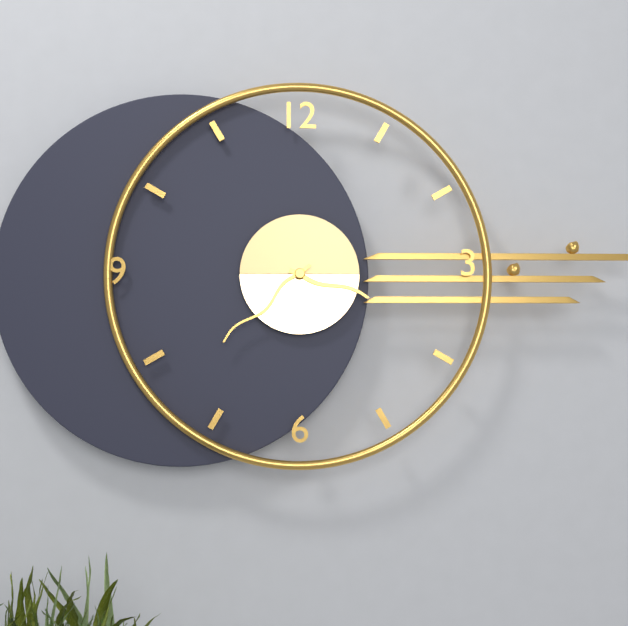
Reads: h=3 m=38
